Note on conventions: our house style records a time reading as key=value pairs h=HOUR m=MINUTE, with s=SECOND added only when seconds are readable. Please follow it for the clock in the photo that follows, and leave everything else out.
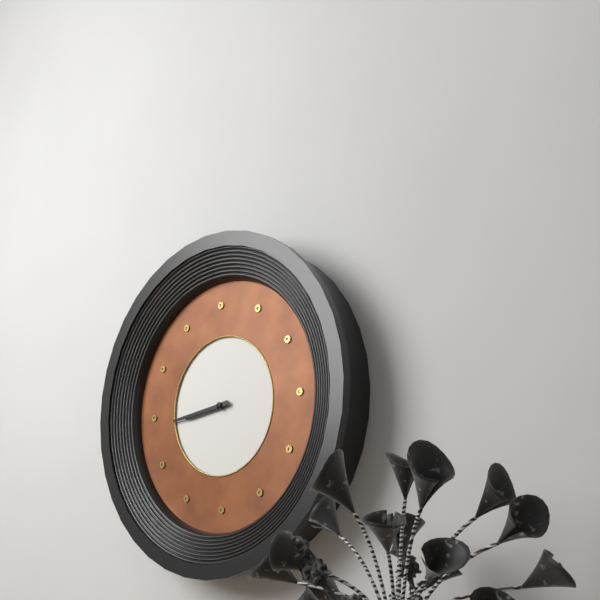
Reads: h=8 m=44
